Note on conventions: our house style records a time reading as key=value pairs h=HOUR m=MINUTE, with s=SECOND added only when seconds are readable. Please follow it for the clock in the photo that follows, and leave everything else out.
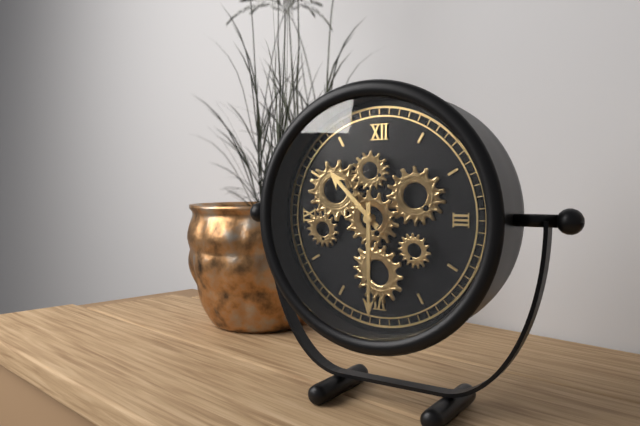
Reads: h=10 m=30
